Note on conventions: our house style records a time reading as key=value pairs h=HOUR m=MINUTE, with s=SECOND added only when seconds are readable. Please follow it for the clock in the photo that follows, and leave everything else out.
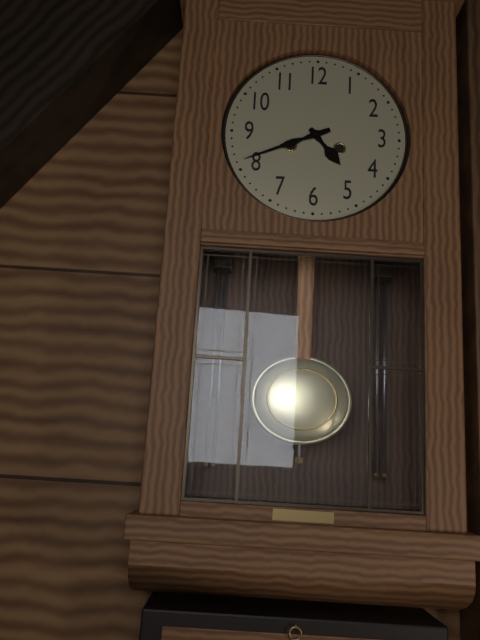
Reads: h=4 m=41
